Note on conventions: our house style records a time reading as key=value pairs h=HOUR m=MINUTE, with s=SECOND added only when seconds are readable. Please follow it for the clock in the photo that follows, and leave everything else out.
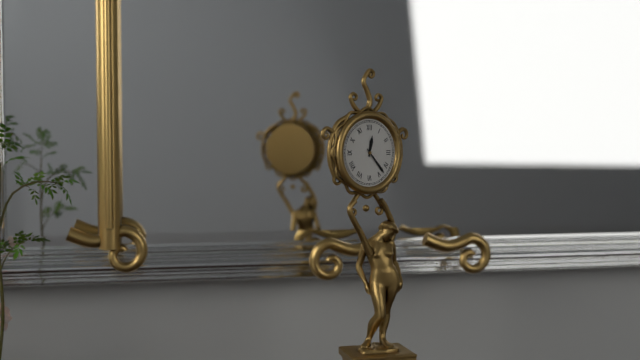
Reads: h=12 m=23
